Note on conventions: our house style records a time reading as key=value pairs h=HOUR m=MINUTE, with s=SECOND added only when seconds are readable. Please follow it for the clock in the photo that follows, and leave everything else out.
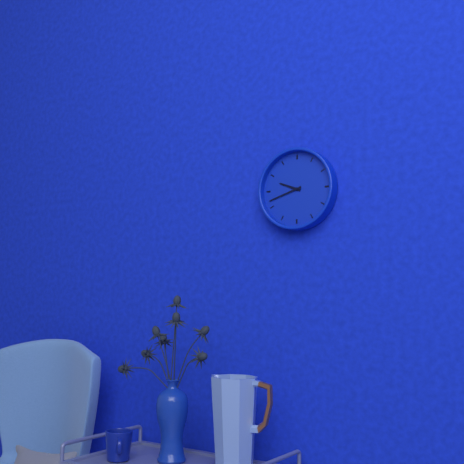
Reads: h=9 m=42
